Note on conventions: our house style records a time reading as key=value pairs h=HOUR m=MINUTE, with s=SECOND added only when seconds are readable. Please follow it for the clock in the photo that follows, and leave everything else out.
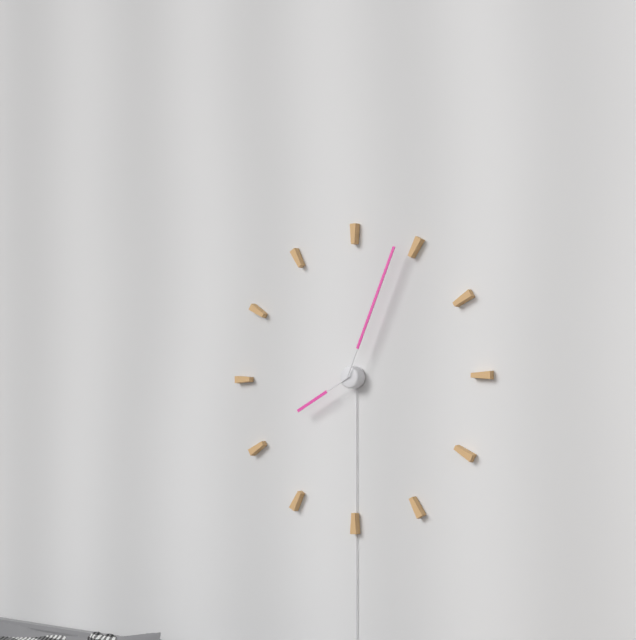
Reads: h=8 m=4
